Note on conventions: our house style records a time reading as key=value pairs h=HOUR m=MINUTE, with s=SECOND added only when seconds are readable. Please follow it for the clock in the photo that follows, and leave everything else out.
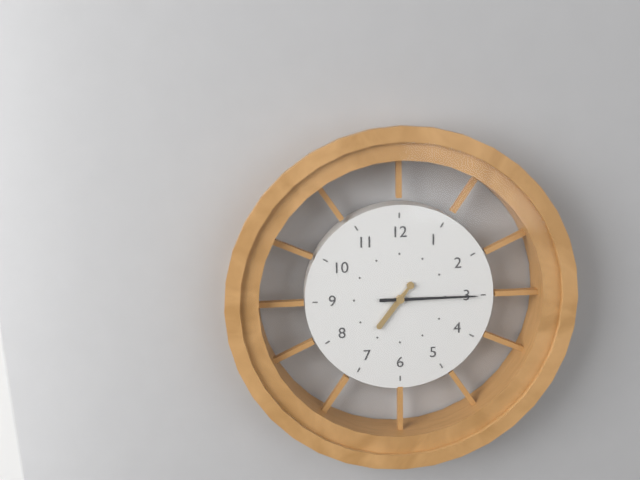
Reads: h=7 m=15
